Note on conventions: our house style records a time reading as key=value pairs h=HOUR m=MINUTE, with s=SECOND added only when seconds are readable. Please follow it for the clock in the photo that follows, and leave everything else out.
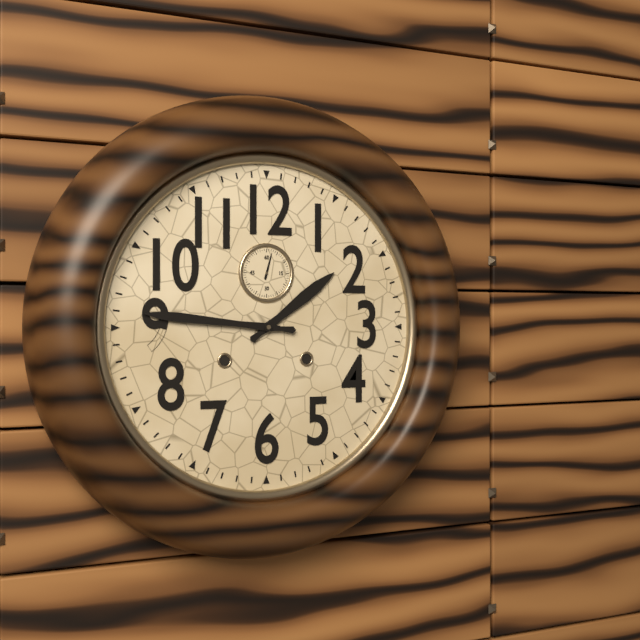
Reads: h=1 m=46
